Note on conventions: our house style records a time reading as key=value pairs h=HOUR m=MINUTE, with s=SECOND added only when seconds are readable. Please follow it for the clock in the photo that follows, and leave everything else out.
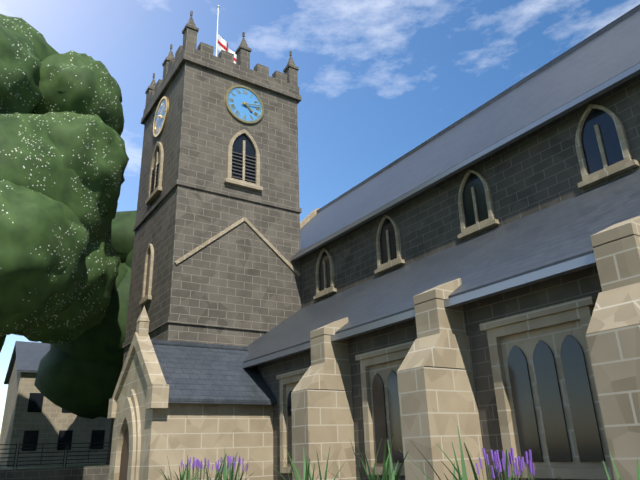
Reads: h=4 m=13
